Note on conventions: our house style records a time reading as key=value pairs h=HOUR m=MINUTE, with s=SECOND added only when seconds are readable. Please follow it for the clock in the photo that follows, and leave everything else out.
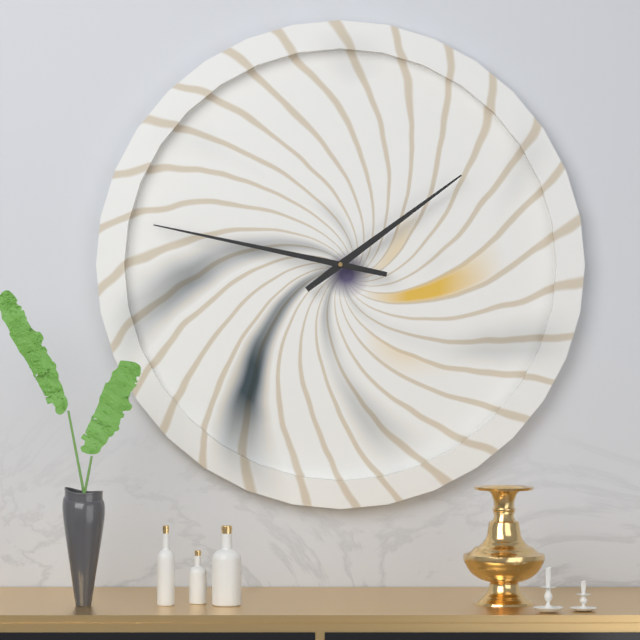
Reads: h=1 m=47
